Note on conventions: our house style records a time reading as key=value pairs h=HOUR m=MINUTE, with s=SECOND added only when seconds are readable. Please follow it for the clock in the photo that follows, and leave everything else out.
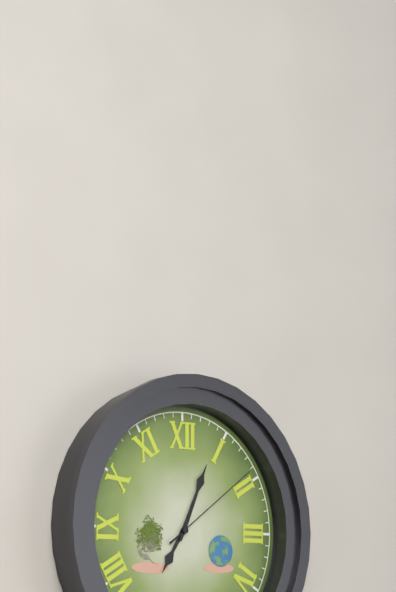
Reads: h=7 m=4 s=9
